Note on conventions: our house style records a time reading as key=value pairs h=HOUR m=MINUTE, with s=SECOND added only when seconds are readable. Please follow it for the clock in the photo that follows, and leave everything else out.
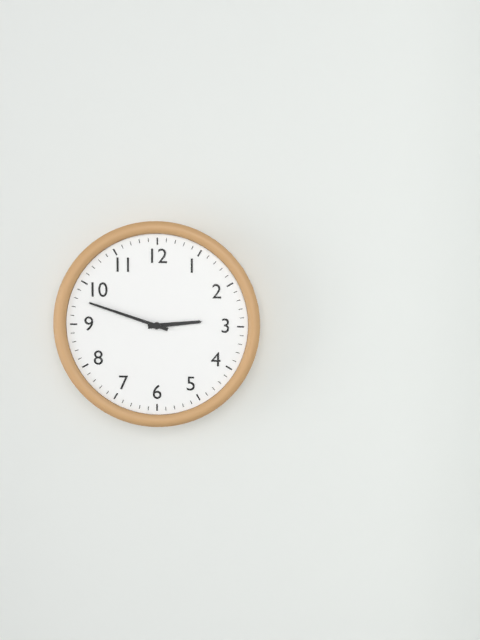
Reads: h=2 m=48
